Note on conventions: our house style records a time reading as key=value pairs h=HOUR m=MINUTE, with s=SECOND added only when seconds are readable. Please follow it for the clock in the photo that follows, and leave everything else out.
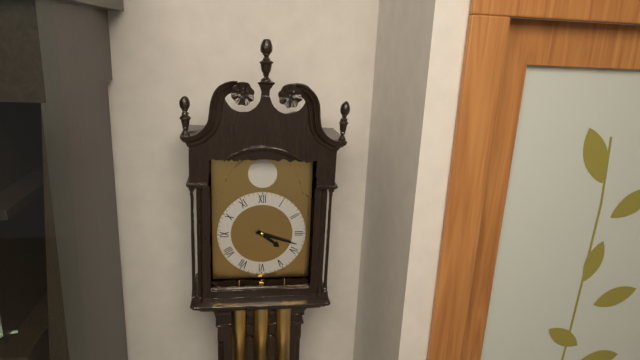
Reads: h=4 m=18
